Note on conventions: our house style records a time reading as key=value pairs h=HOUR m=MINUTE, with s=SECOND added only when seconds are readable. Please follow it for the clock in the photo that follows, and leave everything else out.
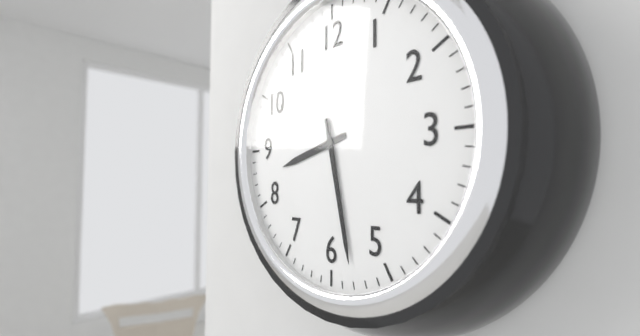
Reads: h=8 m=28
